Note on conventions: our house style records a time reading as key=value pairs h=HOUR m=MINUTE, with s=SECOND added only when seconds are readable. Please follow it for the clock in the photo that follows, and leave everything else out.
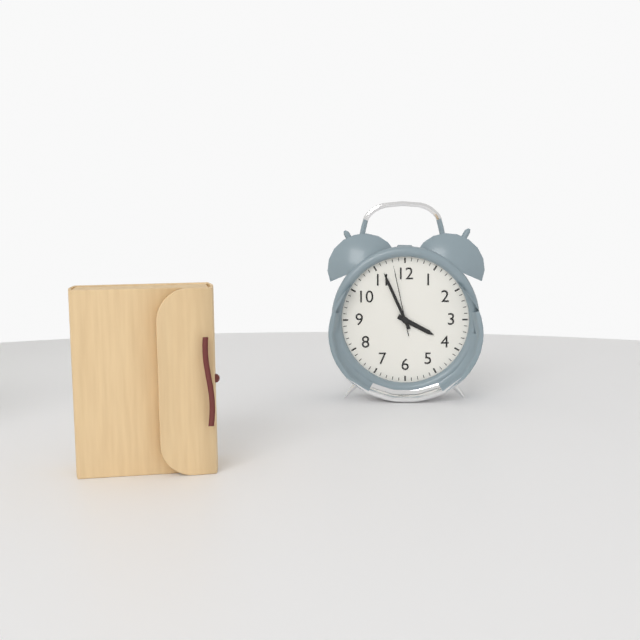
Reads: h=3 m=56 s=58
